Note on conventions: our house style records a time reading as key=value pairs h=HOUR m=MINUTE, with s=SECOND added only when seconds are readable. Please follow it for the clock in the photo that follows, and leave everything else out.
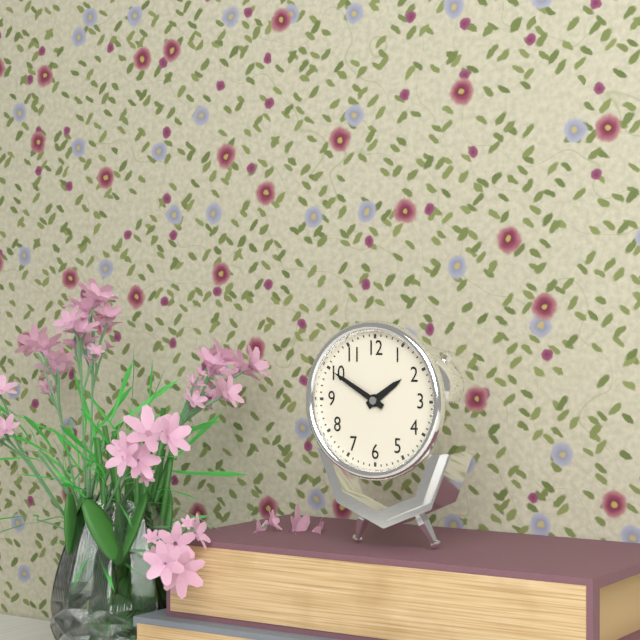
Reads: h=1 m=50
